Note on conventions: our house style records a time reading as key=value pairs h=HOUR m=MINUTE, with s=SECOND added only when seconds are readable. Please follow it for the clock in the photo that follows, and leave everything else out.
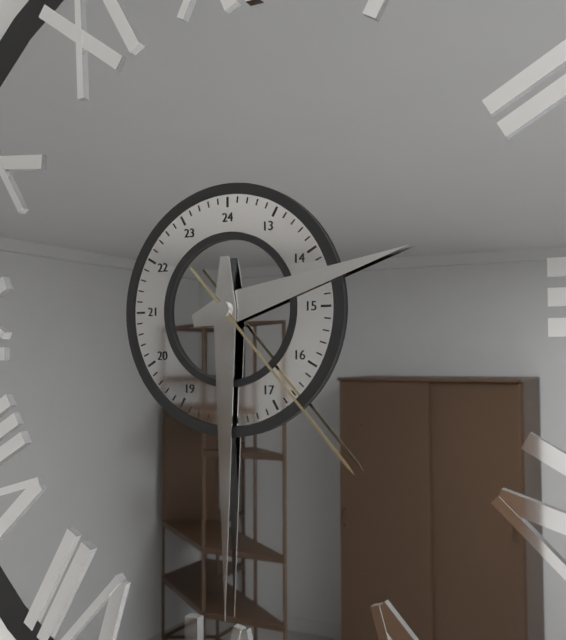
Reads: h=2 m=30 s=23
